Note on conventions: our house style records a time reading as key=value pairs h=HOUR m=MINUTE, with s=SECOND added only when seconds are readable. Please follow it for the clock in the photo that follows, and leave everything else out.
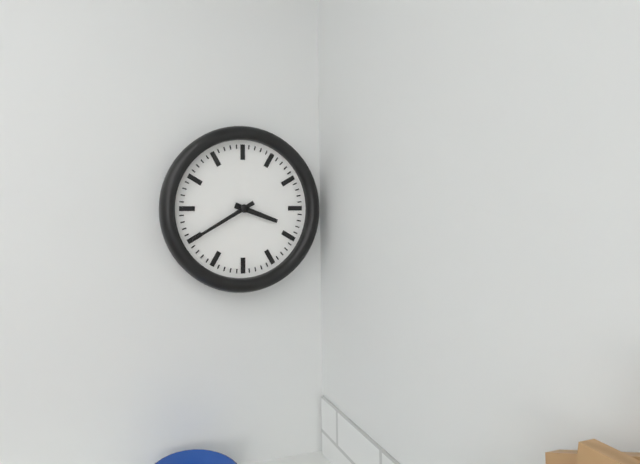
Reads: h=3 m=40
